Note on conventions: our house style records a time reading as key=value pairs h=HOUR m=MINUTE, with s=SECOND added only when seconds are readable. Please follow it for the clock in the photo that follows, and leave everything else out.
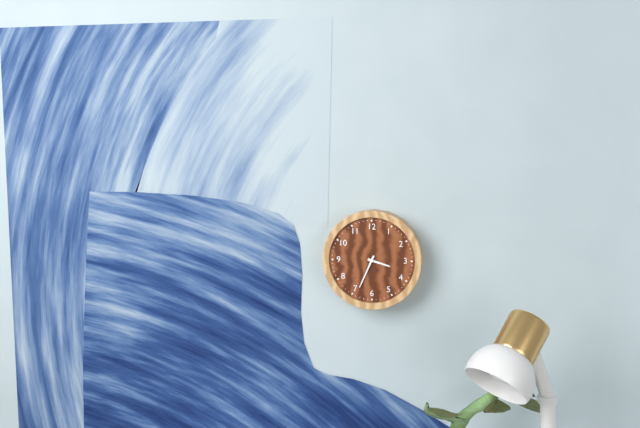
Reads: h=3 m=34
